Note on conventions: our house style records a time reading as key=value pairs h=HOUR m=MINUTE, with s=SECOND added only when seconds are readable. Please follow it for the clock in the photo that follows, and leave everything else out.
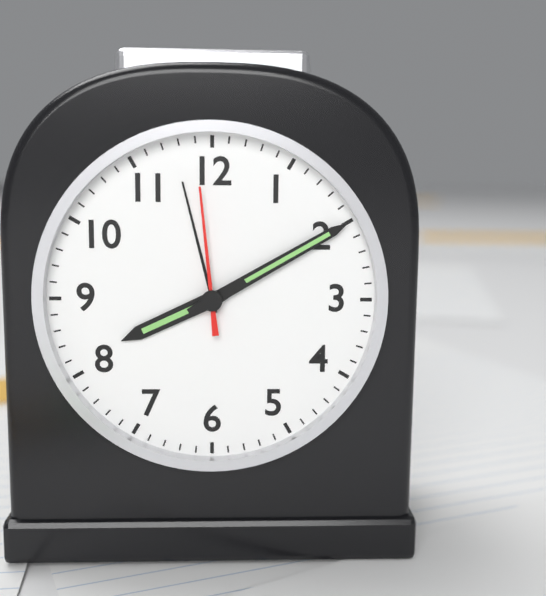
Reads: h=8 m=10 s=59
